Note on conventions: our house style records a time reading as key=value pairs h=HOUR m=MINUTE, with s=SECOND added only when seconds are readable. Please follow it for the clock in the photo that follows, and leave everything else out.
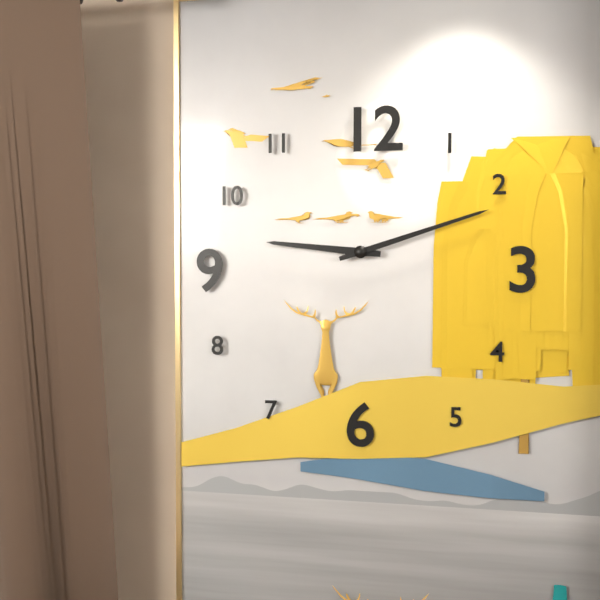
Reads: h=9 m=12
